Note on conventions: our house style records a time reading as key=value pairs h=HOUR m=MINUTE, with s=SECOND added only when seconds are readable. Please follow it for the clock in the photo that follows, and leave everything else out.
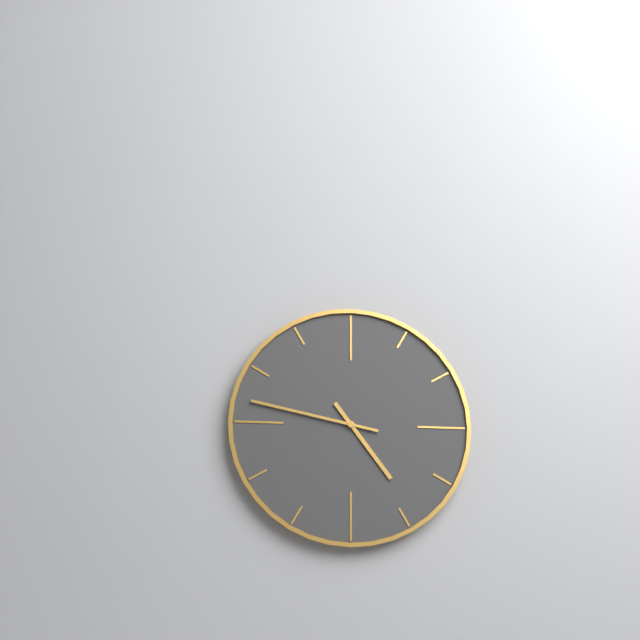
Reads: h=4 m=47
